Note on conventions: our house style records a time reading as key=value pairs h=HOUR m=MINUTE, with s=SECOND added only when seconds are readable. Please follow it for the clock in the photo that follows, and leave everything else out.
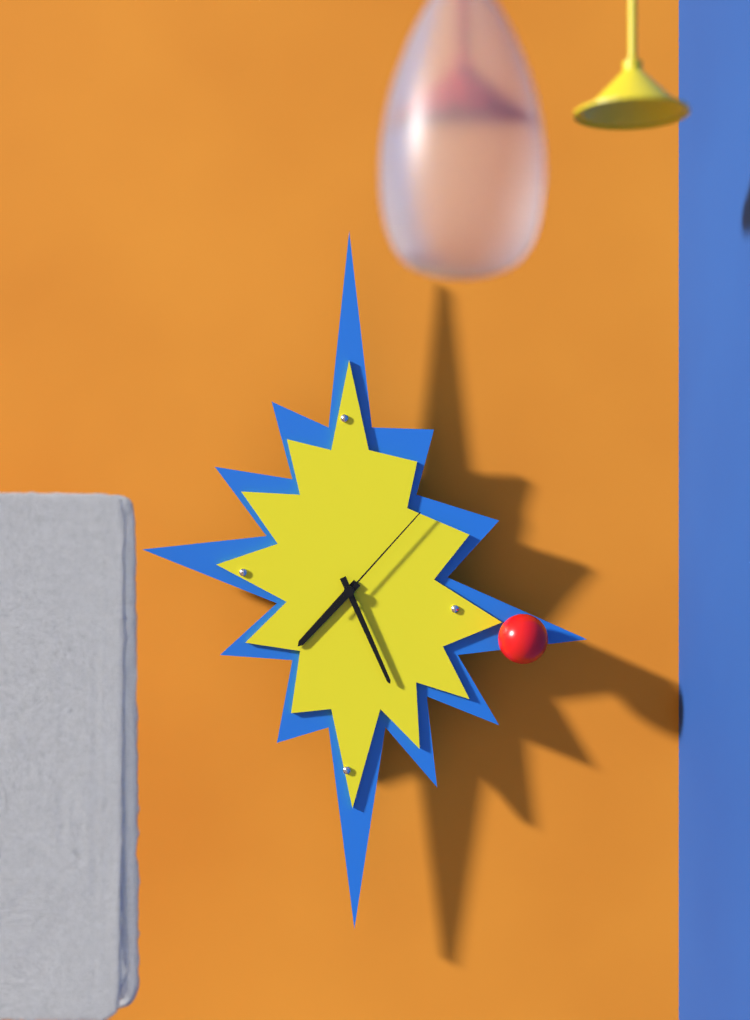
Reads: h=7 m=26 s=7
